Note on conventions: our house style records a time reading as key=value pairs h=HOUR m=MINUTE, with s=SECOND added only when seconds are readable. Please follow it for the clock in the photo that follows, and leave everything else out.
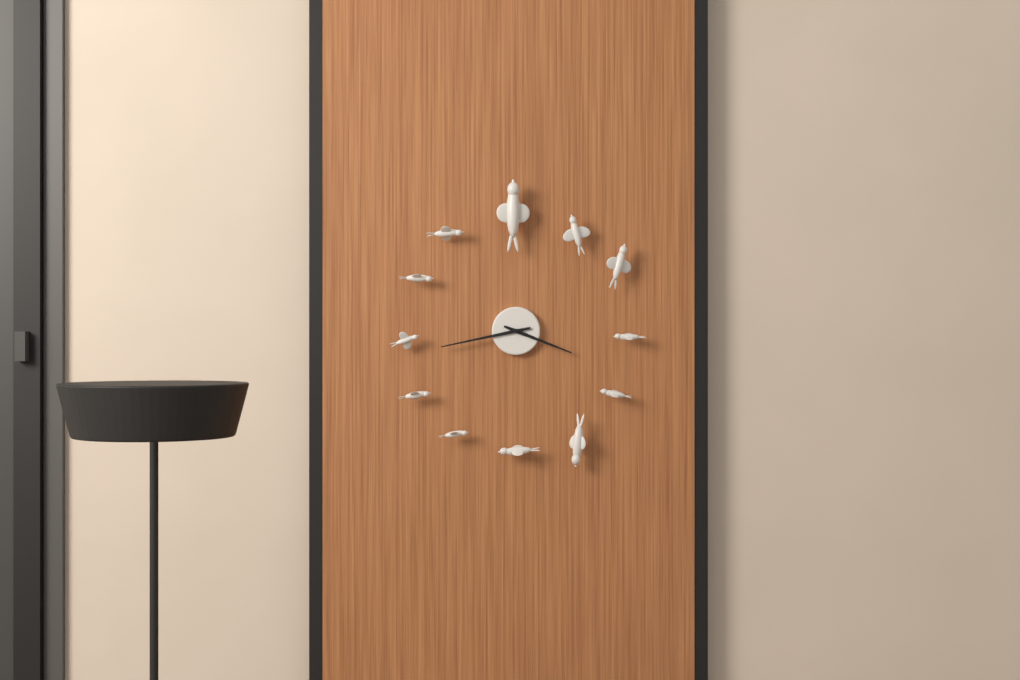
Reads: h=3 m=43
